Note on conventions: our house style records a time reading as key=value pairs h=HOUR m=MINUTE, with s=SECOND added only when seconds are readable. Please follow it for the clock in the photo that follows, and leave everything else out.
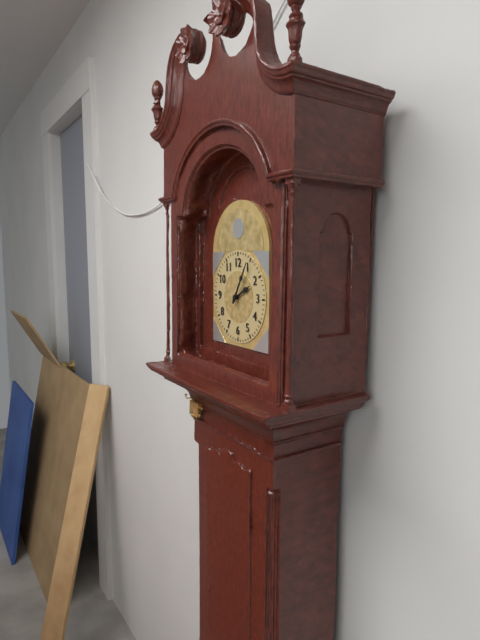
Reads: h=2 m=5
